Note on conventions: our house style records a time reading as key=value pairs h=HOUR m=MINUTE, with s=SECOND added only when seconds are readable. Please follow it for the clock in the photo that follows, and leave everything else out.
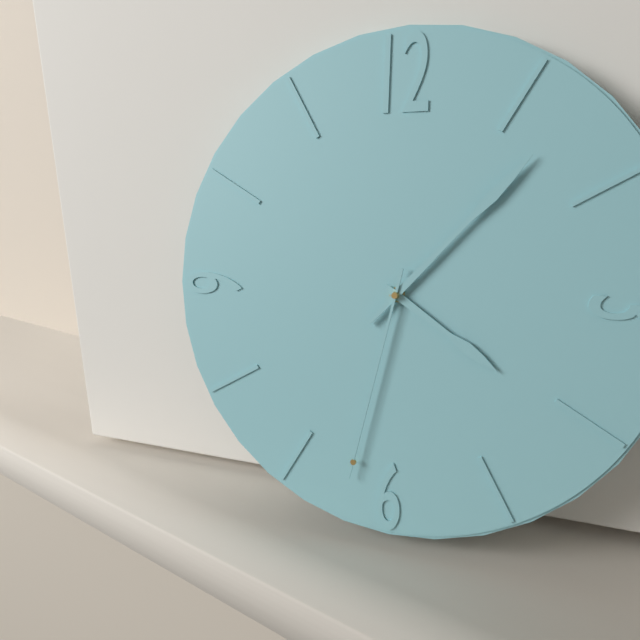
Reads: h=4 m=7 s=32
